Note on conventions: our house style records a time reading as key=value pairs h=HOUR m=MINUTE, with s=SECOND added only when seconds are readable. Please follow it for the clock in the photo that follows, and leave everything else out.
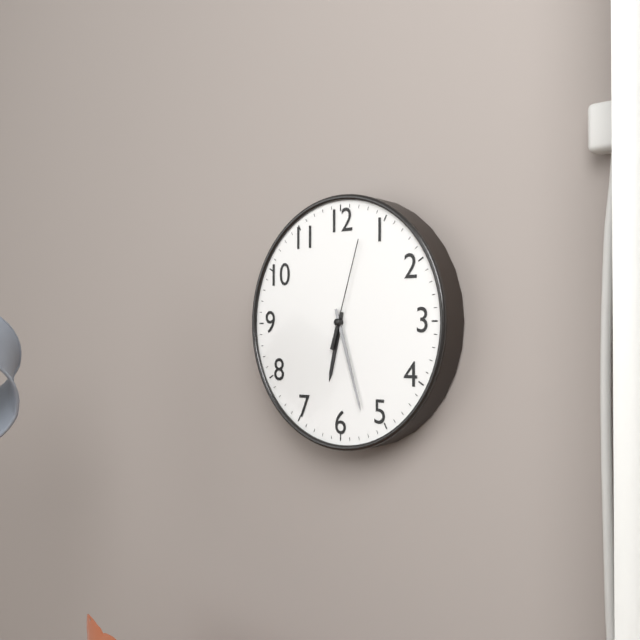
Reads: h=6 m=27 s=3
